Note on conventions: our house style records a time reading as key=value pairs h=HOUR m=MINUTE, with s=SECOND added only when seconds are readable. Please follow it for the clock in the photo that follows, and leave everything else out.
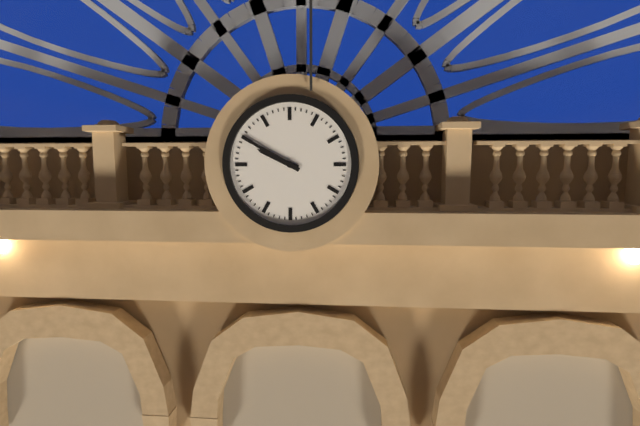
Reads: h=9 m=50
